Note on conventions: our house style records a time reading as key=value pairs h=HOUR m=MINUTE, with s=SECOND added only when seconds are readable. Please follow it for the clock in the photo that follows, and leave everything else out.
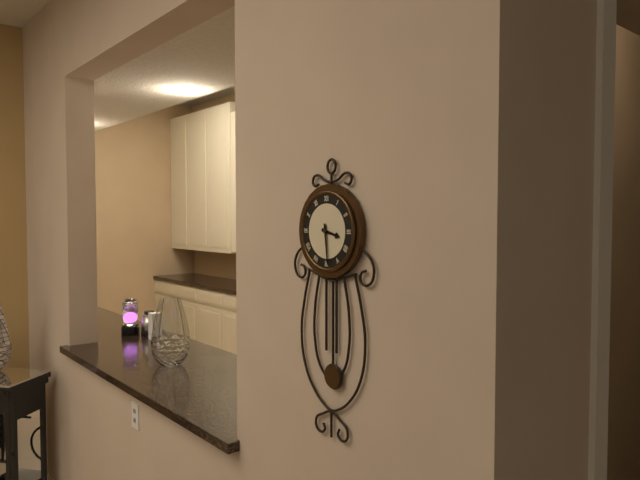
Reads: h=3 m=29
